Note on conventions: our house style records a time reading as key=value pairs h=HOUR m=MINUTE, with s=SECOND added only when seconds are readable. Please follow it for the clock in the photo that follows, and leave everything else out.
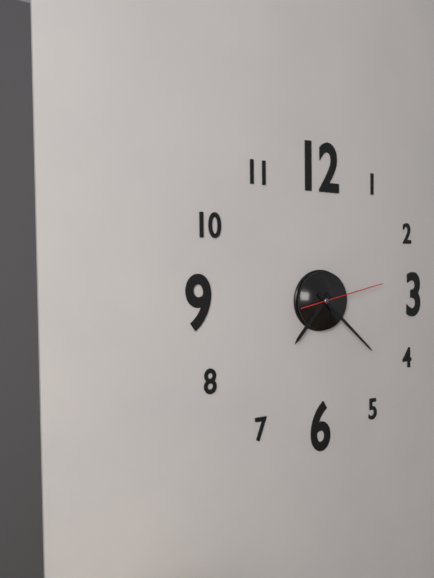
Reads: h=7 m=22 s=13
